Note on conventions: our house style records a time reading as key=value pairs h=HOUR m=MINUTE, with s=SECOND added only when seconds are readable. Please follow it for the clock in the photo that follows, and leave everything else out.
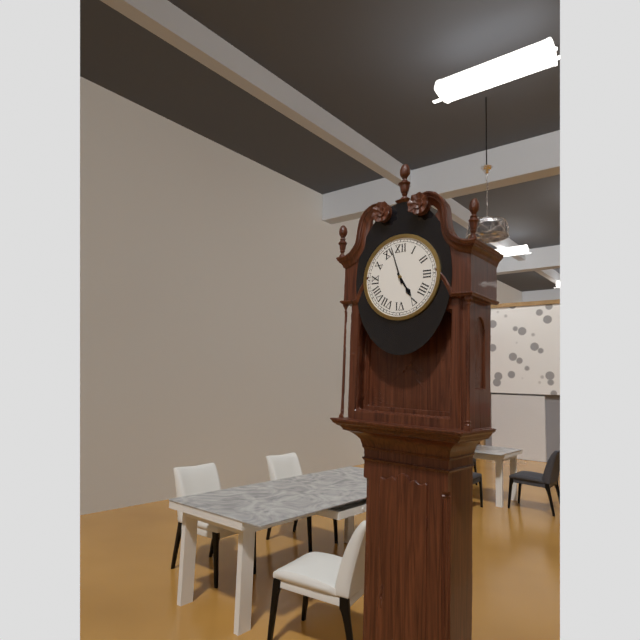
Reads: h=4 m=57
